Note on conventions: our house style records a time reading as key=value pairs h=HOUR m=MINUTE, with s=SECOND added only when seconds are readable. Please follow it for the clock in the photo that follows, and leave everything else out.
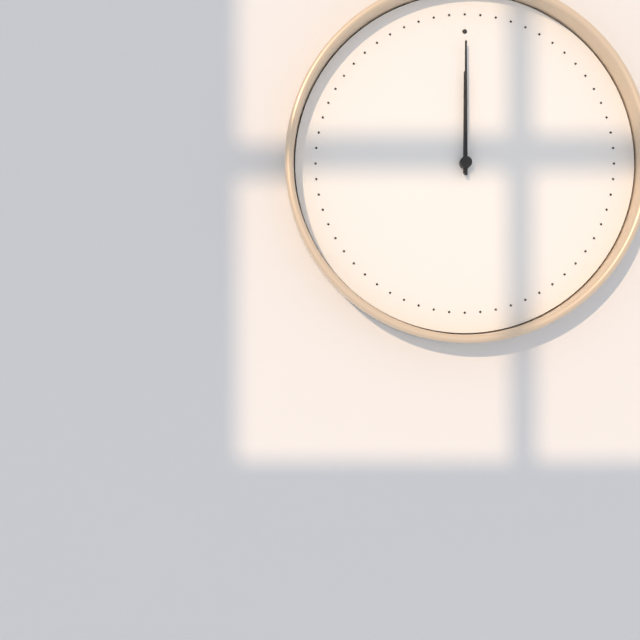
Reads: h=12 m=0
